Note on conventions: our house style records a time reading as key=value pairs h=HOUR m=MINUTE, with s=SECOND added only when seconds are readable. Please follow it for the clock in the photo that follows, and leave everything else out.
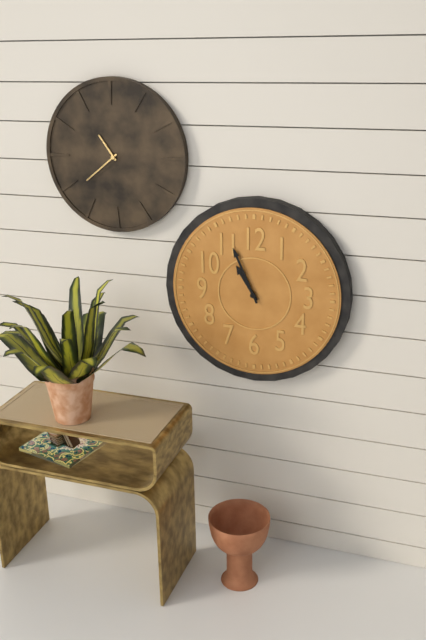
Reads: h=10 m=56
